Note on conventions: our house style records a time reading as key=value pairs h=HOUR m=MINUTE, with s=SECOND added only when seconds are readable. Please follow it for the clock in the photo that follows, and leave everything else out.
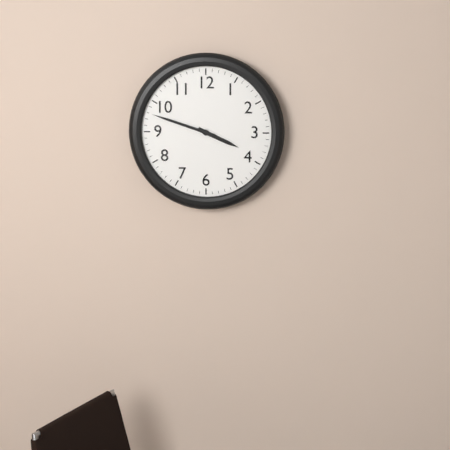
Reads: h=3 m=48
